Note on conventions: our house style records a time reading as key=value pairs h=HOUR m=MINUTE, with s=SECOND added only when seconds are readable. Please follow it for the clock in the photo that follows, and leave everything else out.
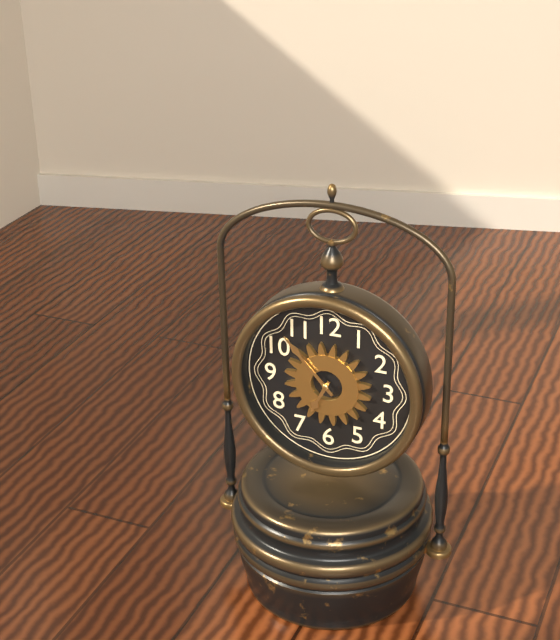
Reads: h=6 m=53
